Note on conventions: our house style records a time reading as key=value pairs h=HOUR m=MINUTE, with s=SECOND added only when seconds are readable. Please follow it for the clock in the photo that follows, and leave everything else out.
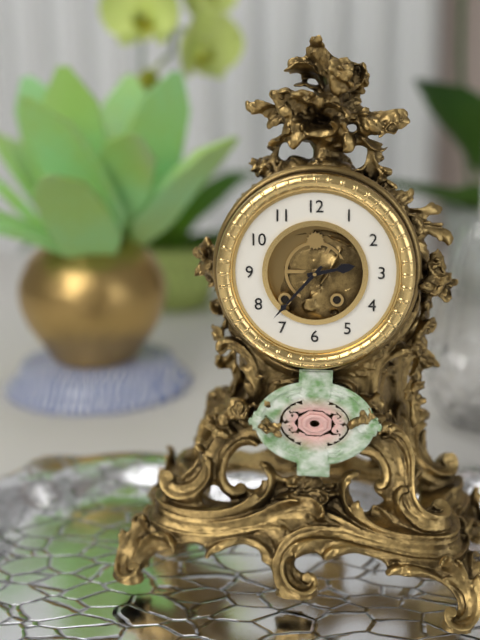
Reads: h=2 m=37
